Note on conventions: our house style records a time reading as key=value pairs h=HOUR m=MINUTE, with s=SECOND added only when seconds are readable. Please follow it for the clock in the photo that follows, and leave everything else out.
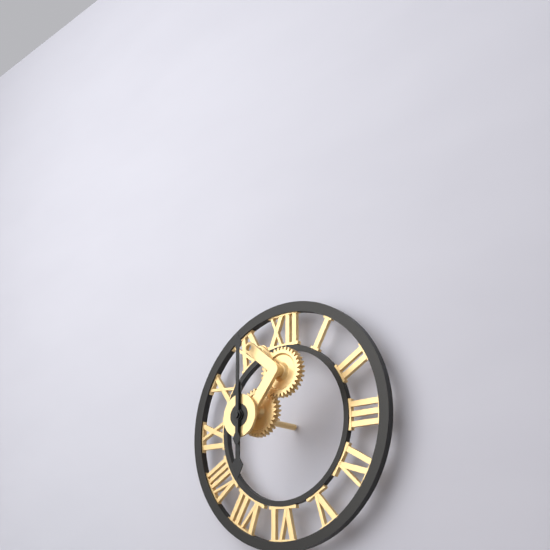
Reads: h=6 m=0
